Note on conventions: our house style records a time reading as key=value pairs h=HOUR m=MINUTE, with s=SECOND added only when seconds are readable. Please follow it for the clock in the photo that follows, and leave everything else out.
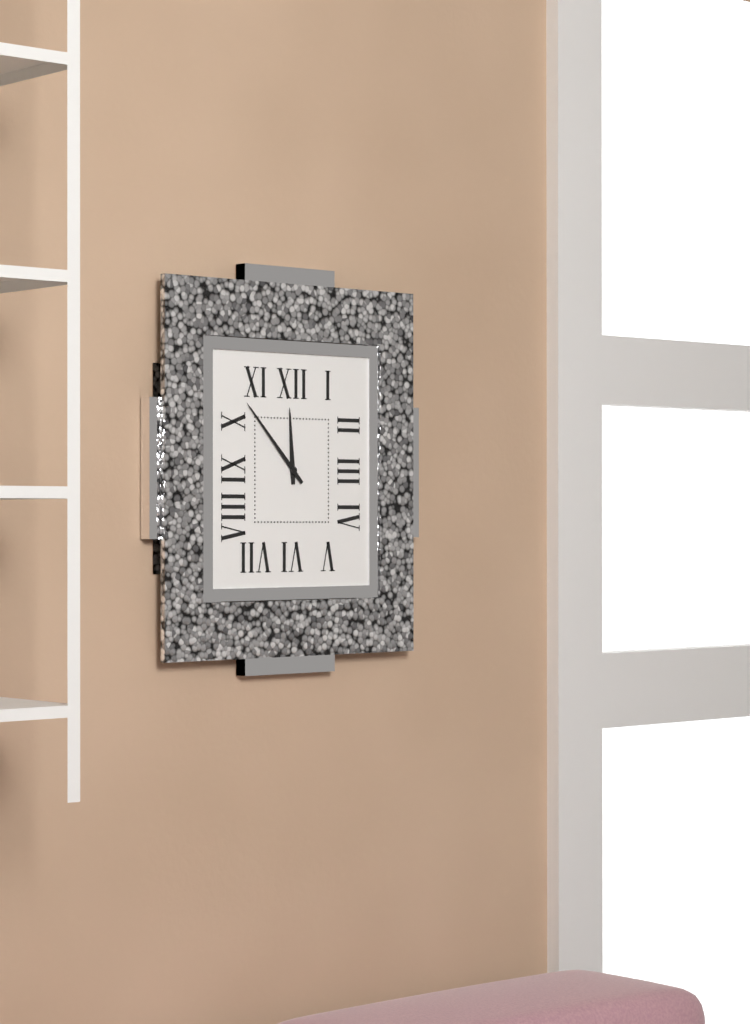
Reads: h=11 m=53
